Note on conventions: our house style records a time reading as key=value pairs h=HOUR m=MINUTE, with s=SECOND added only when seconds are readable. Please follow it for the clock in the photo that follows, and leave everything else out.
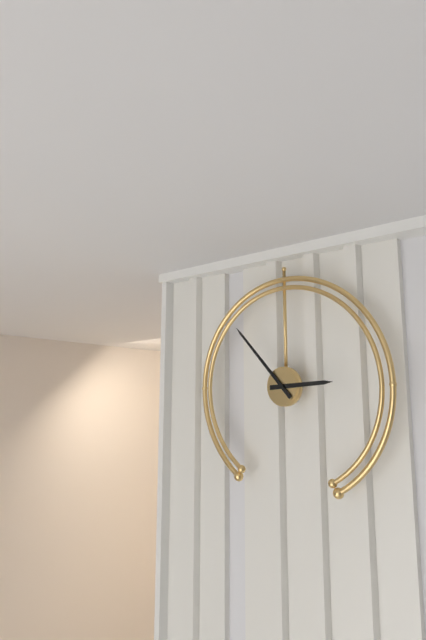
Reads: h=2 m=53
